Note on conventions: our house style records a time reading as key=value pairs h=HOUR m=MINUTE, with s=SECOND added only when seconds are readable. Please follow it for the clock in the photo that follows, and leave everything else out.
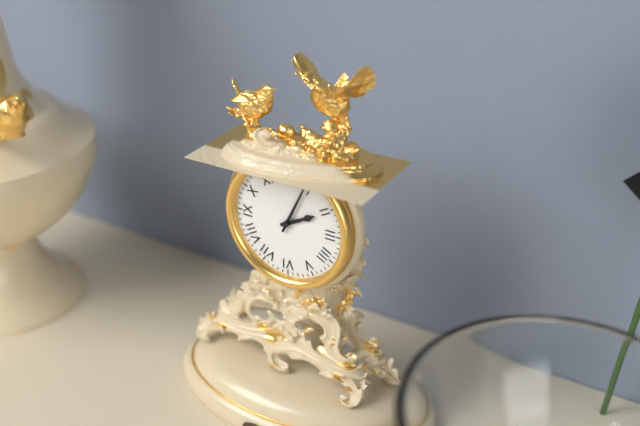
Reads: h=2 m=4
